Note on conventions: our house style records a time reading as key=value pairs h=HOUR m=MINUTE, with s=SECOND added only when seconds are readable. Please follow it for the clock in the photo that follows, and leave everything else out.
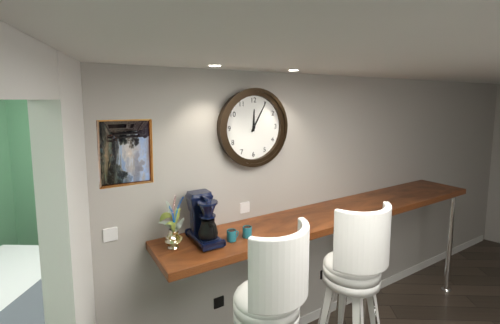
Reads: h=12 m=5
